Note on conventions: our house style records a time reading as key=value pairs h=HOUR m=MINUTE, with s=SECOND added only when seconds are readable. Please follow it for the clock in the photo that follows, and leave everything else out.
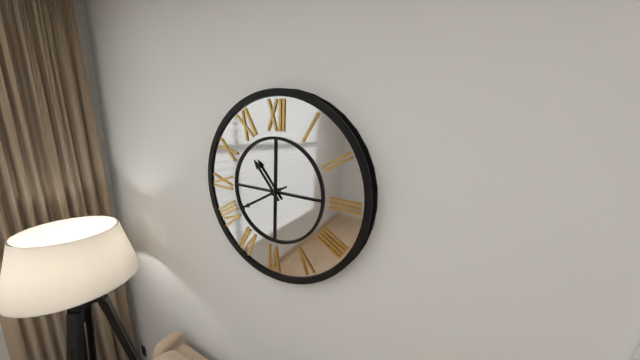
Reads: h=10 m=40
